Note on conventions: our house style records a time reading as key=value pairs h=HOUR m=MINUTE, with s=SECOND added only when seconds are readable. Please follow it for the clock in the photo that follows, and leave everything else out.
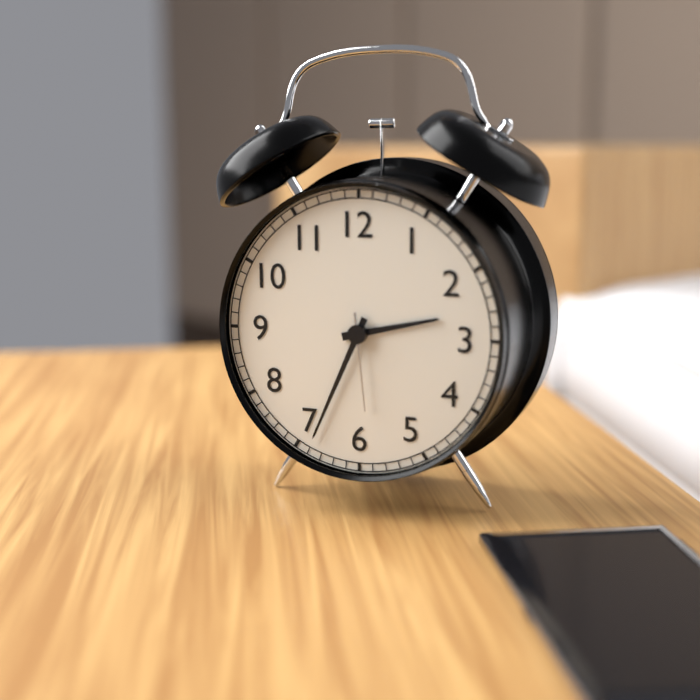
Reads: h=2 m=34 s=29
